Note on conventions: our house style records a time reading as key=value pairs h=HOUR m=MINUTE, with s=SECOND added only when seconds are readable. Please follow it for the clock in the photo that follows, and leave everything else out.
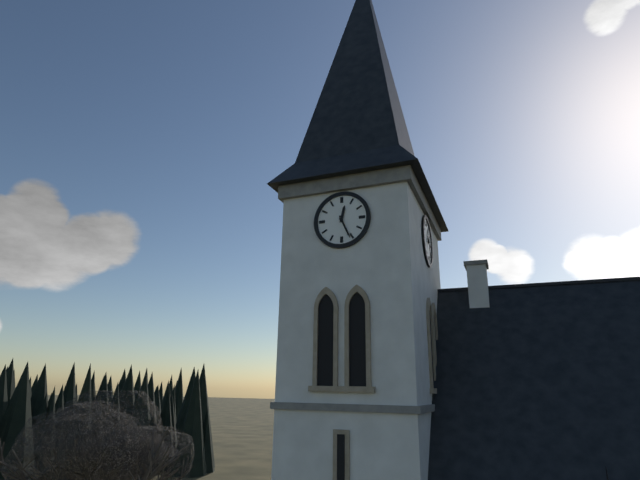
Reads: h=12 m=26
